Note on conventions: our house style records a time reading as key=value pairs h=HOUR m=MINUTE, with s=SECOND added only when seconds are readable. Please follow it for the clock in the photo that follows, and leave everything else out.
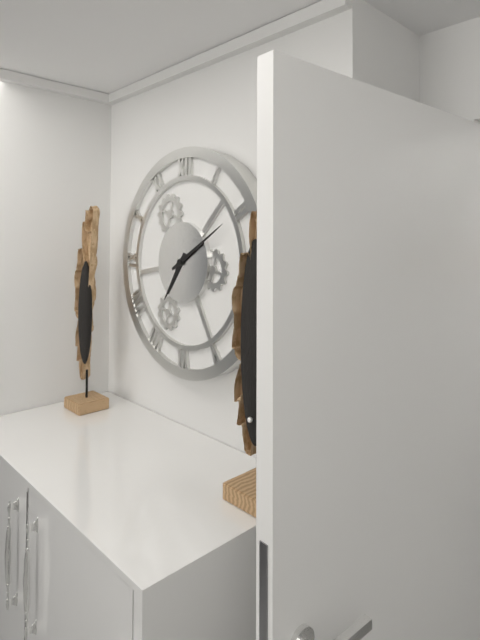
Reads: h=7 m=10
